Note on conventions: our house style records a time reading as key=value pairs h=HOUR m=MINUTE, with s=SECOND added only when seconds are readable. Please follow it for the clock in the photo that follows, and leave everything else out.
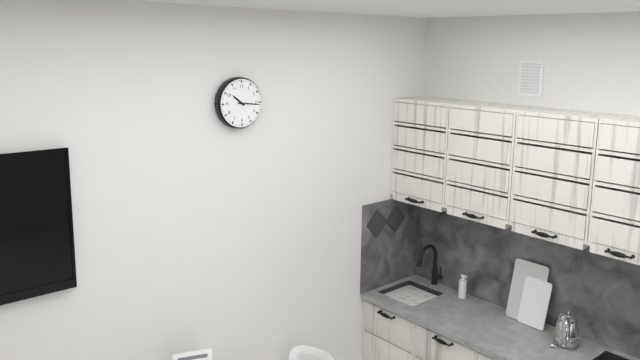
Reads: h=10 m=16
